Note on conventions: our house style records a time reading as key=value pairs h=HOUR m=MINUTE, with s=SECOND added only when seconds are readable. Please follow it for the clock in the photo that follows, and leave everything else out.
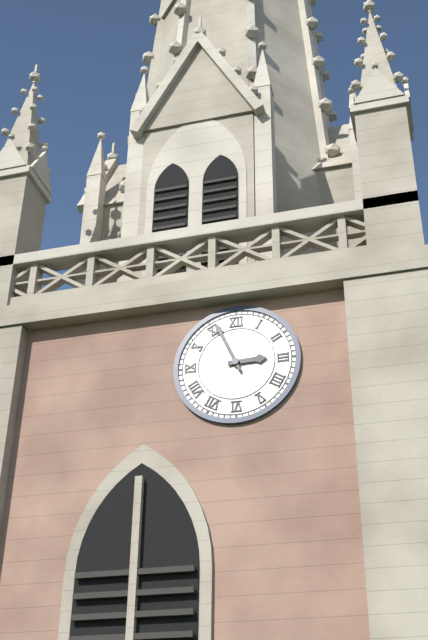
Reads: h=2 m=56
